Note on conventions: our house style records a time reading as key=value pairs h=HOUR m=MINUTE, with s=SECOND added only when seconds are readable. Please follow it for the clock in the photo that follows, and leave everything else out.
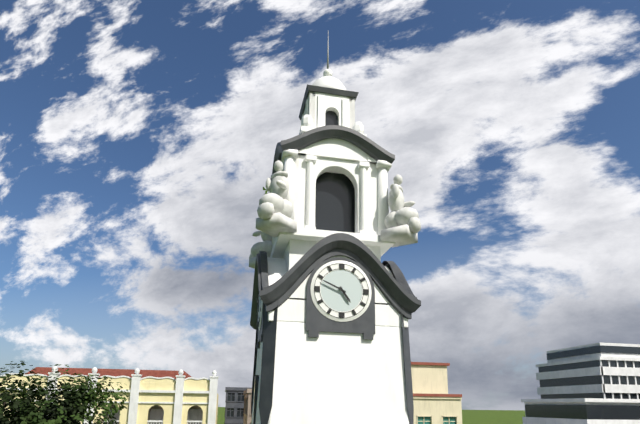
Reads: h=4 m=49
